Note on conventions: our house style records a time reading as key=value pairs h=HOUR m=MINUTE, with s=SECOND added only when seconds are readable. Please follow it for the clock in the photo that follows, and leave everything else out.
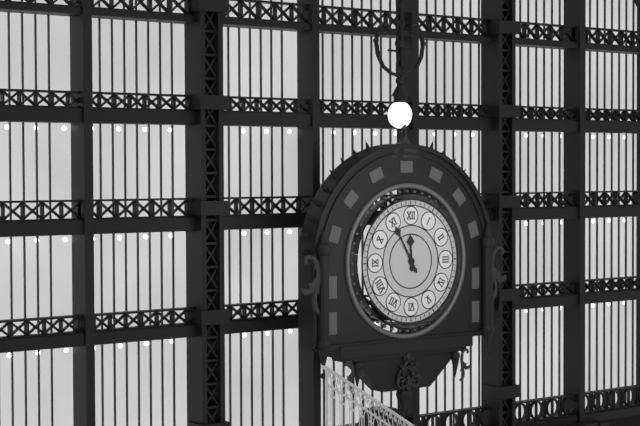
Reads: h=11 m=55
